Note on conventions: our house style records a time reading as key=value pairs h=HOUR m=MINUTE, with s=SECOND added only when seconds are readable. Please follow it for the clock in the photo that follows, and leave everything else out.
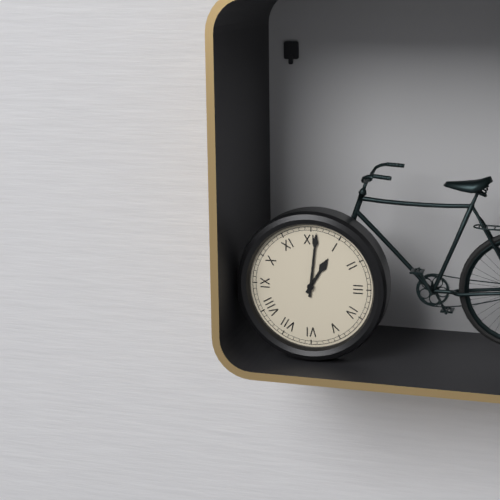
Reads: h=1 m=1
